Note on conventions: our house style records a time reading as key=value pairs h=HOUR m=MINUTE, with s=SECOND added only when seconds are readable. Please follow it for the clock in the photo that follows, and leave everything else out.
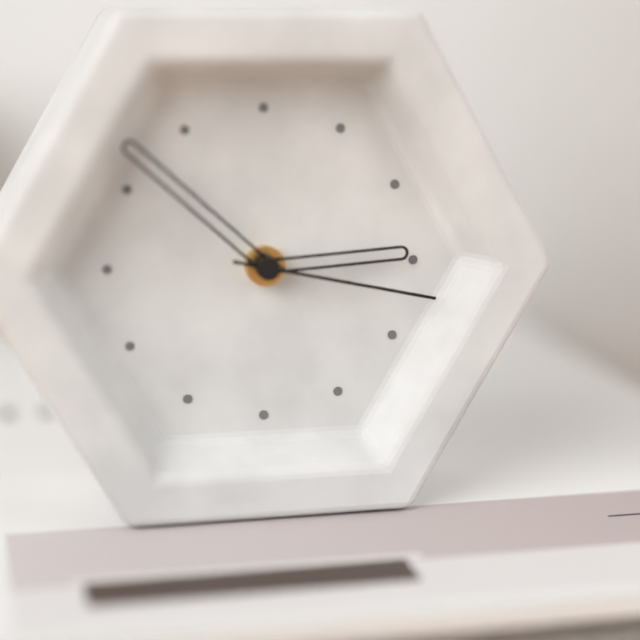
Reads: h=2 m=52 s=17
